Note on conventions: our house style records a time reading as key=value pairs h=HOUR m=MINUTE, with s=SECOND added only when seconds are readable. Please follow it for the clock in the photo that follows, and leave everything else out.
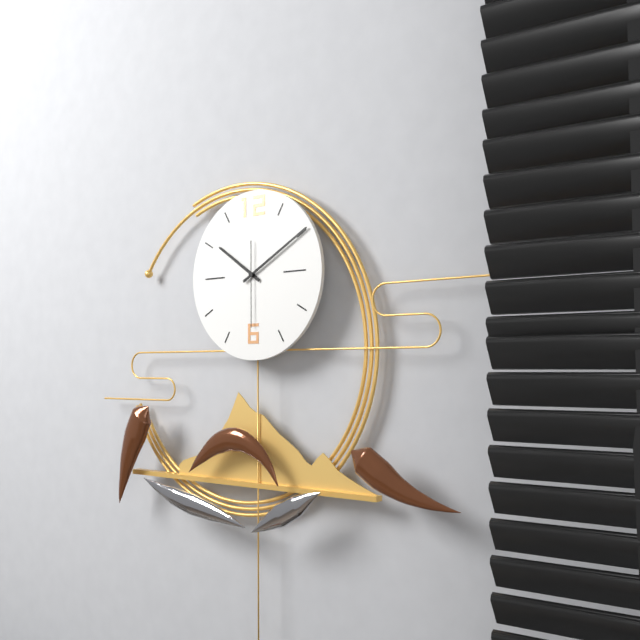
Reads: h=10 m=10 s=30
